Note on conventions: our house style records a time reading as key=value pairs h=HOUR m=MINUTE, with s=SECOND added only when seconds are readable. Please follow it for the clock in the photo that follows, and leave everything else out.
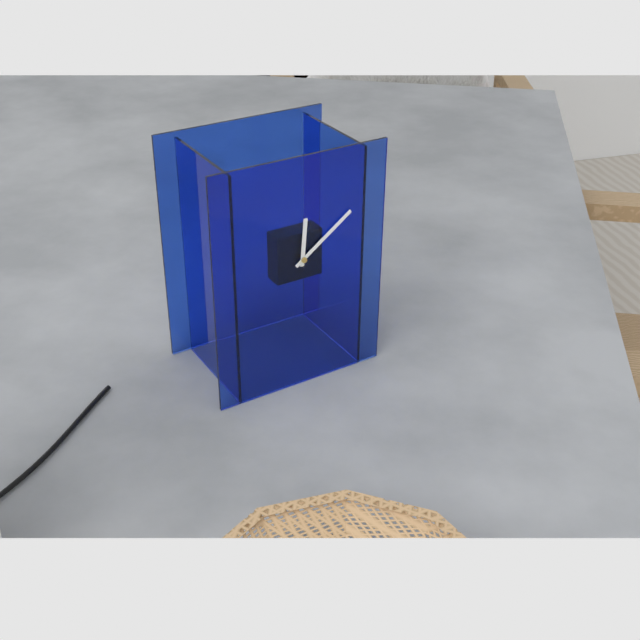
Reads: h=12 m=9
